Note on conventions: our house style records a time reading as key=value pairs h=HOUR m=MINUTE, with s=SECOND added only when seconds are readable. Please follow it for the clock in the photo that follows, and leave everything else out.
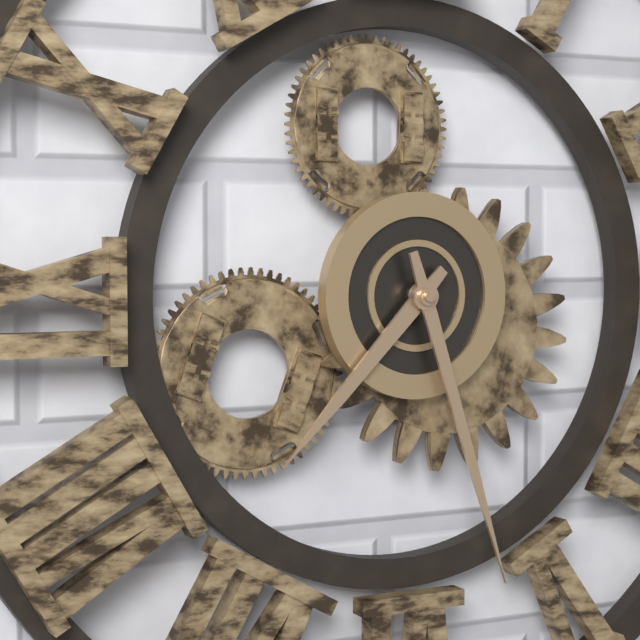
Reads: h=7 m=27
